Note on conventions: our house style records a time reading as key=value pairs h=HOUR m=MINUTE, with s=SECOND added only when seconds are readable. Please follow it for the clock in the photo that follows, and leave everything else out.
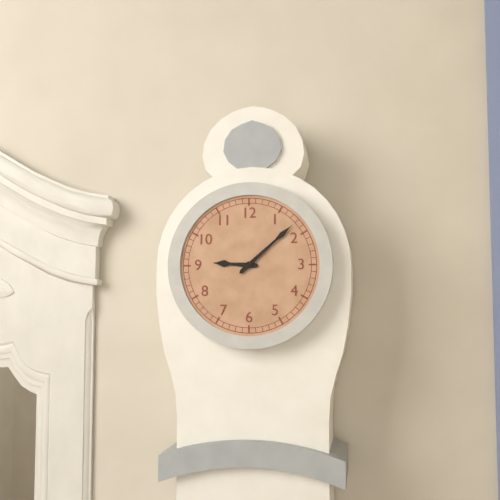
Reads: h=9 m=8
